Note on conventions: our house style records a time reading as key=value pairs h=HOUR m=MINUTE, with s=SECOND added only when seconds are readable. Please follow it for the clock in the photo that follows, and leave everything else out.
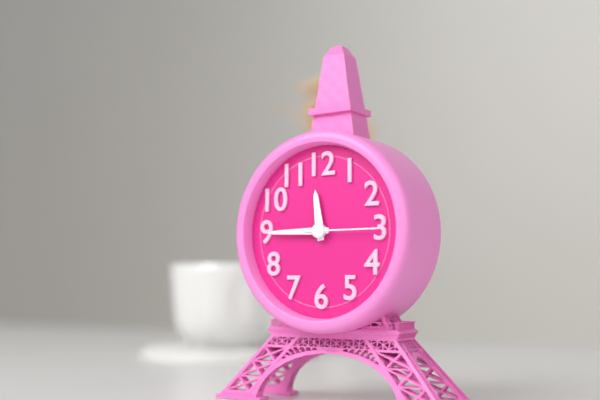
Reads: h=11 m=45 s=15
